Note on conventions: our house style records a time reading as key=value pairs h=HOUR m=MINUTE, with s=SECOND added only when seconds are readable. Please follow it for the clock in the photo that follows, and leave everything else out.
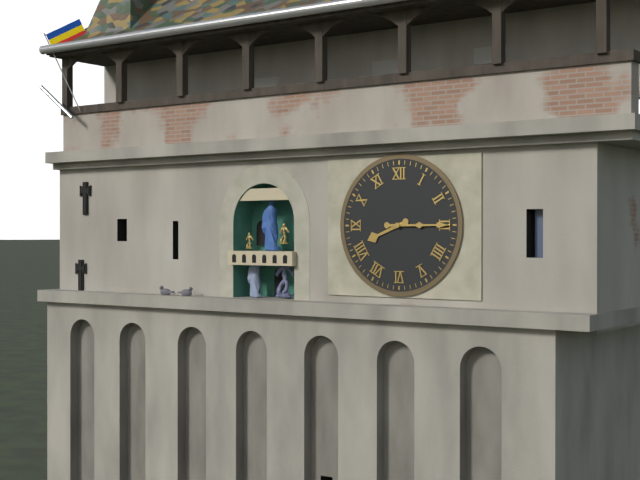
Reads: h=8 m=15
